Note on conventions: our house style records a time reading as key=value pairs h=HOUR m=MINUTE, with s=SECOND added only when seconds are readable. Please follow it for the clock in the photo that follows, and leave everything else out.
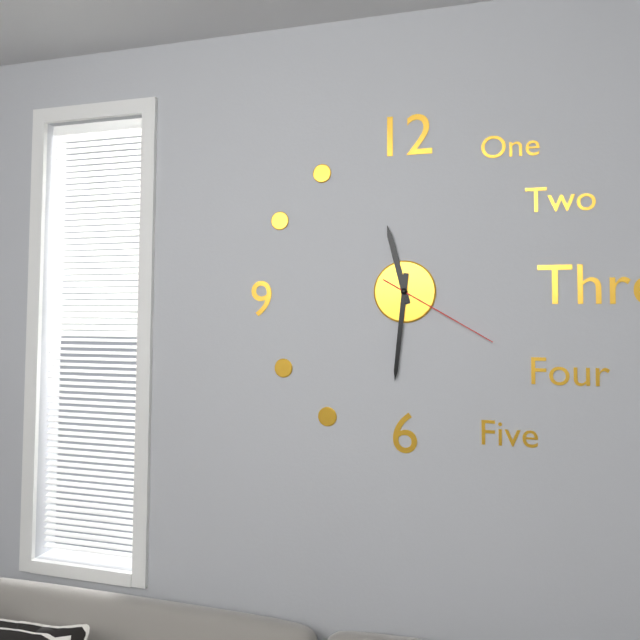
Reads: h=11 m=31 s=20
